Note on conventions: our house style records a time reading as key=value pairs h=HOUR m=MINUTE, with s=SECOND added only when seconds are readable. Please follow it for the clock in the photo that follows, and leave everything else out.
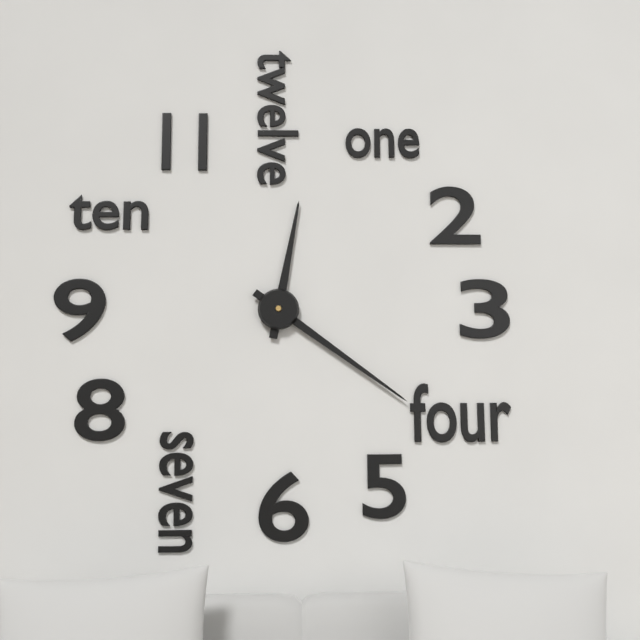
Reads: h=12 m=21
